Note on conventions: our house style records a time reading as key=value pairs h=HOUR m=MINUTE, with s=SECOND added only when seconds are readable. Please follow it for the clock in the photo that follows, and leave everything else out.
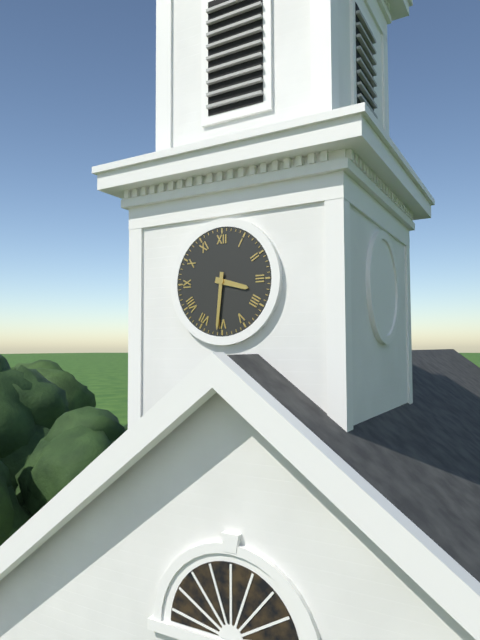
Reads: h=3 m=31
